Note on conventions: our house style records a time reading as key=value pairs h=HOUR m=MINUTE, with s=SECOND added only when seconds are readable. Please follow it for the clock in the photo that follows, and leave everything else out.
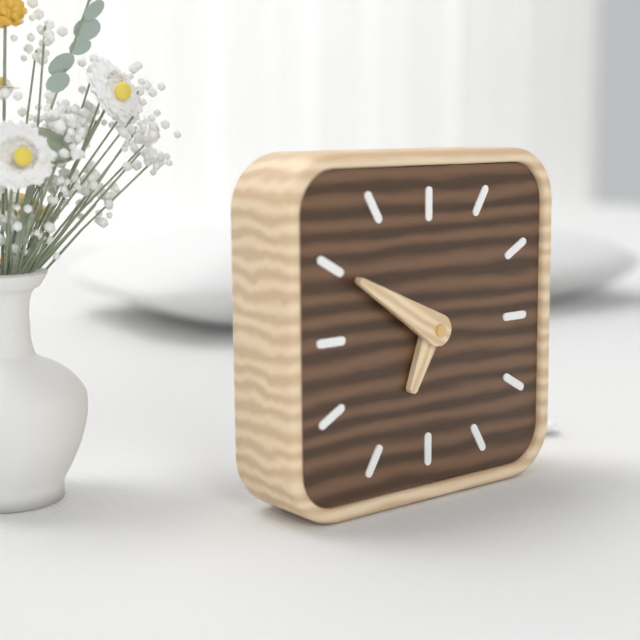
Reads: h=6 m=50
